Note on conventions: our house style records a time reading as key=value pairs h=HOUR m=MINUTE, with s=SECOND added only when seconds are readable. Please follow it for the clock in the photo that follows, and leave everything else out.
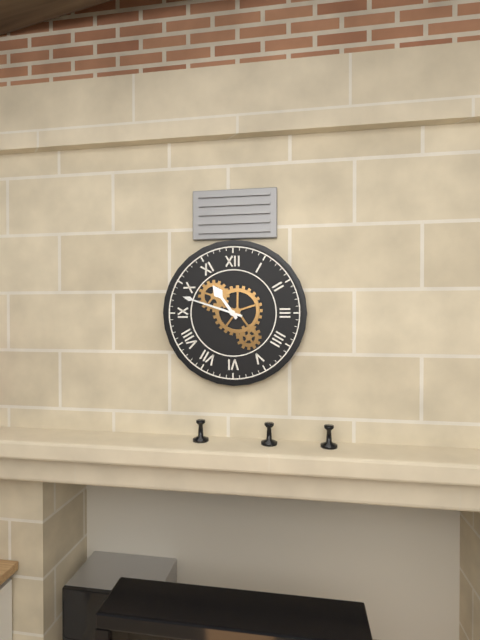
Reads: h=10 m=48
